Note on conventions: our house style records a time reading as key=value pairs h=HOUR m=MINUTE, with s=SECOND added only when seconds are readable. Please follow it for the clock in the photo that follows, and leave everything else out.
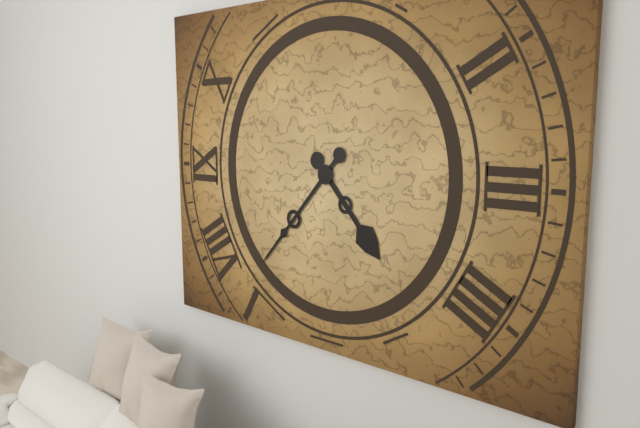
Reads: h=4 m=37
